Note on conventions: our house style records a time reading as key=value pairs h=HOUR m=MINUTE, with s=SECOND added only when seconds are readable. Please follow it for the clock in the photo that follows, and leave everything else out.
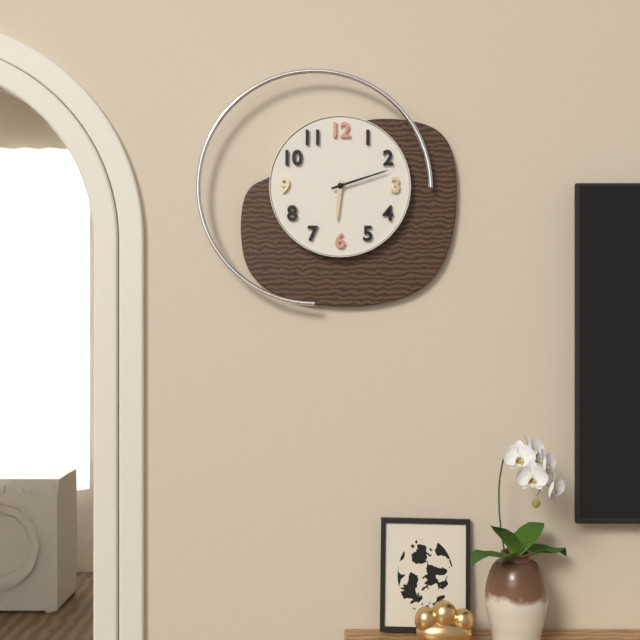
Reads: h=6 m=12
